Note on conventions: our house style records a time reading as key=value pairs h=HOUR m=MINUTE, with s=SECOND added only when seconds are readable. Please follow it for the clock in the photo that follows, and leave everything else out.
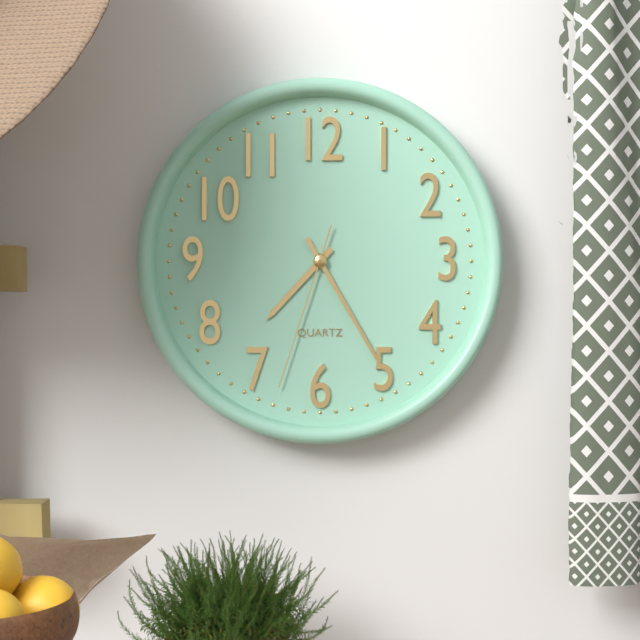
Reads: h=7 m=25 s=33
